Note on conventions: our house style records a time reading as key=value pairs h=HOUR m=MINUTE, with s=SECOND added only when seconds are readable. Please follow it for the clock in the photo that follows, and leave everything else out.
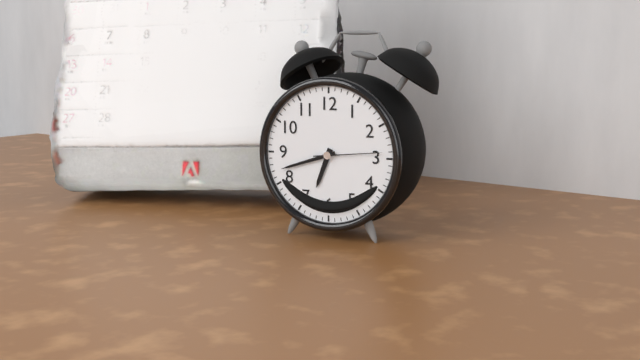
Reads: h=6 m=42 s=14
